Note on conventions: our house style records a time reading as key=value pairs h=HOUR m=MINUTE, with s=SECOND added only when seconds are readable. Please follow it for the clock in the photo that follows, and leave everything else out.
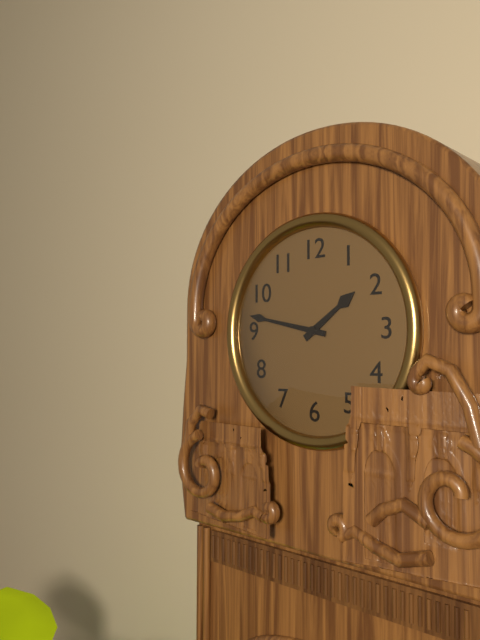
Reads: h=1 m=47
